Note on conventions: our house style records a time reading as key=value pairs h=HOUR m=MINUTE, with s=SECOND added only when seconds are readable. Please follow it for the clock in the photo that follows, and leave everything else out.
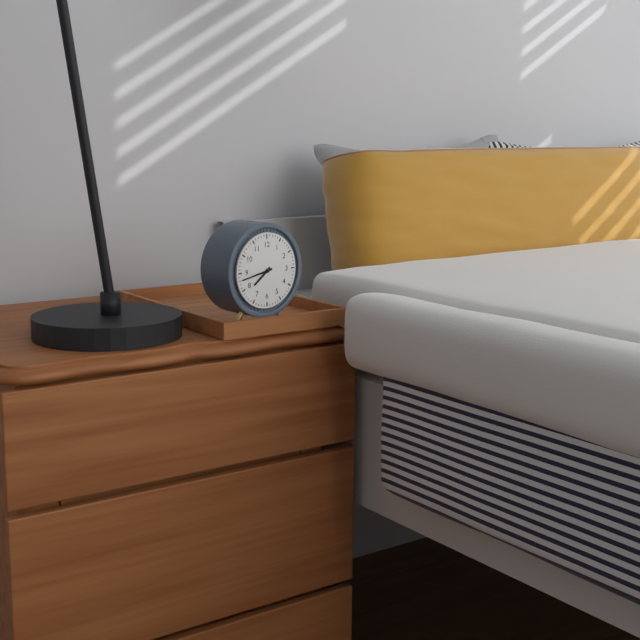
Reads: h=7 m=43
